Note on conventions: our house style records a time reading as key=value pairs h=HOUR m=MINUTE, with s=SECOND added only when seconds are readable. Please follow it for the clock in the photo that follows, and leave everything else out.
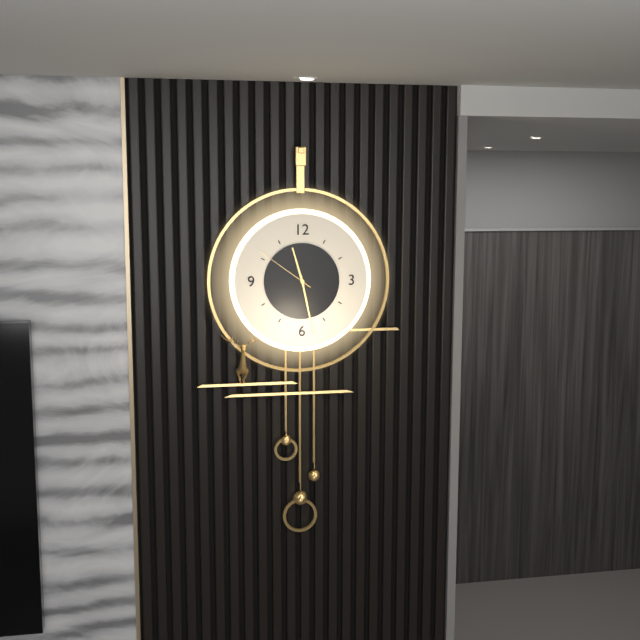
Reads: h=11 m=28 s=51
